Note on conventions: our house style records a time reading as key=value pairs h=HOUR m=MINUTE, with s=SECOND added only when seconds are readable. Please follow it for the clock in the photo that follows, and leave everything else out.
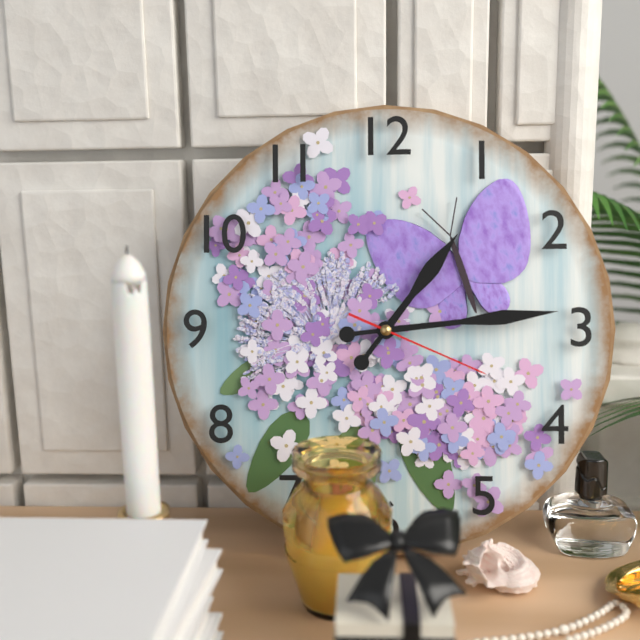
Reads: h=1 m=14 s=19
